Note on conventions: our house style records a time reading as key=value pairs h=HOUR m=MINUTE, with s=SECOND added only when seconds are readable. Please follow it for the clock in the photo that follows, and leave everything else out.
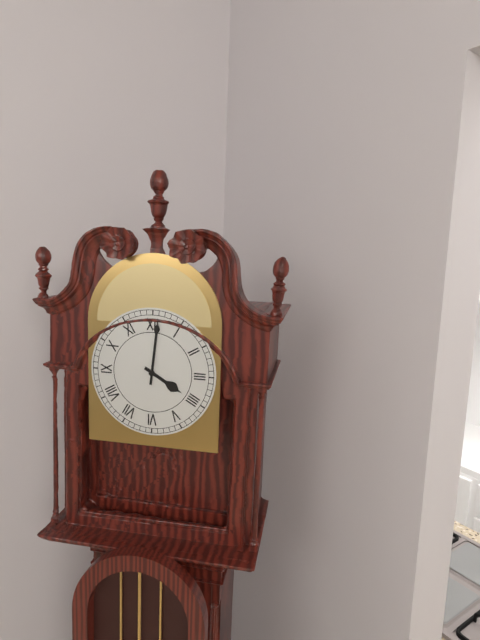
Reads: h=4 m=1
